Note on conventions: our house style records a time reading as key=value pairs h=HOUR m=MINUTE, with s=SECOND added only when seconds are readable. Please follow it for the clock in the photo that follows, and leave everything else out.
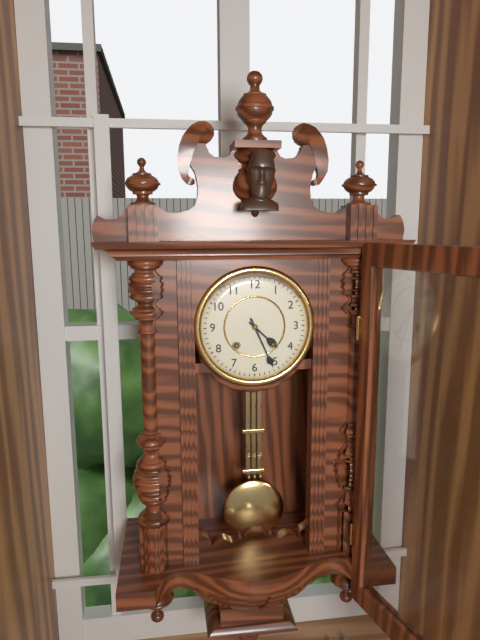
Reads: h=4 m=26
